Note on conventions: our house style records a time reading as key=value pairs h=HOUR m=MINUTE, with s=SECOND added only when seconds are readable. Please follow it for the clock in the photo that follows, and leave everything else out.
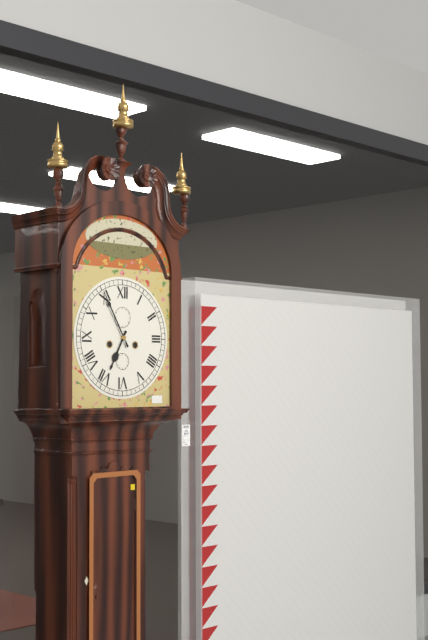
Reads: h=6 m=55
